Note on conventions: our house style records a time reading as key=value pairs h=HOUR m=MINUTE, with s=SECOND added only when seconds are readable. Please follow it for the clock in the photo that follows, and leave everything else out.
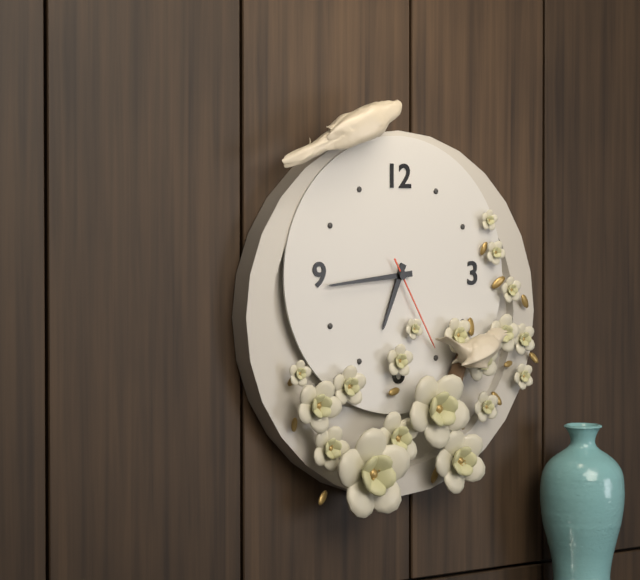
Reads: h=6 m=44 s=25
